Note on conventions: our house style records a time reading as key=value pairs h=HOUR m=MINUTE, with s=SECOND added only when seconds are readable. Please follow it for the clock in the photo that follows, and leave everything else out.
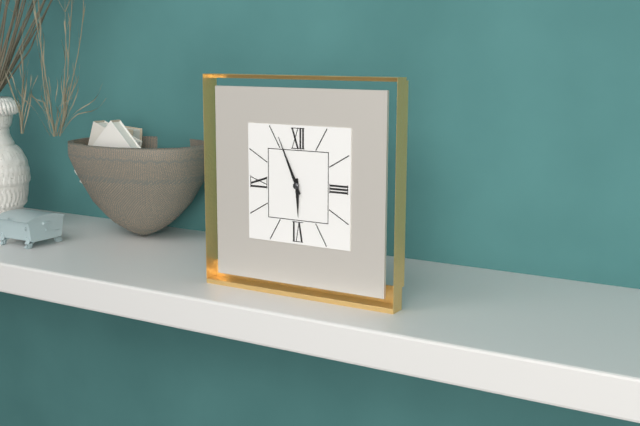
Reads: h=5 m=56
